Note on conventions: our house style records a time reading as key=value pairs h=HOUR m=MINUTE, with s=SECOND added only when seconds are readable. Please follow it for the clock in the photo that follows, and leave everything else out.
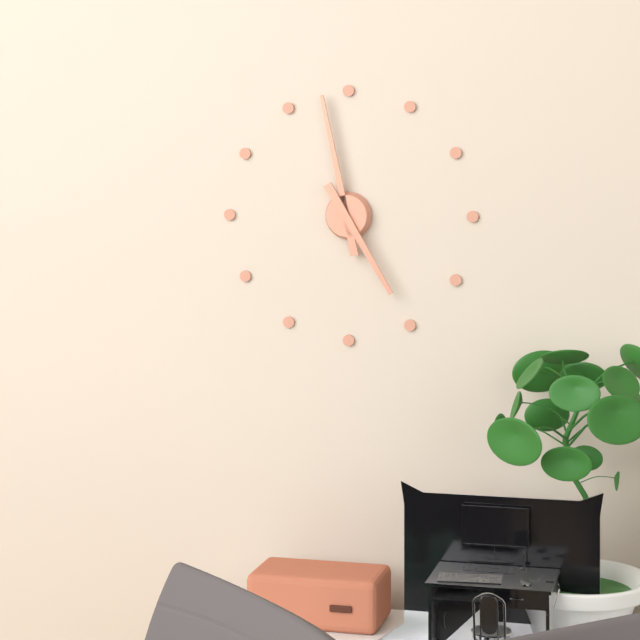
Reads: h=4 m=58
